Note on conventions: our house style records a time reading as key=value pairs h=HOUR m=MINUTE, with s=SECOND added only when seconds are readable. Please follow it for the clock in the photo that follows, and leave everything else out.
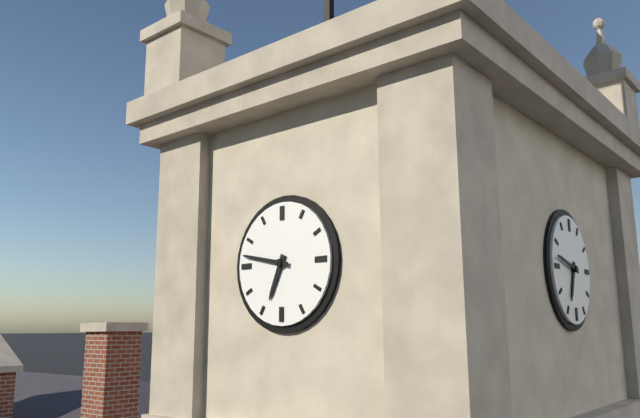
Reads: h=6 m=47
